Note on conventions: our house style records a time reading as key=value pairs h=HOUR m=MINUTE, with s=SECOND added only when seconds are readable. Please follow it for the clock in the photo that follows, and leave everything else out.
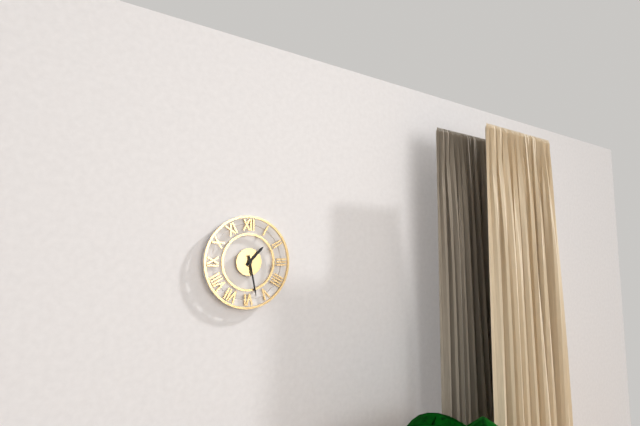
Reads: h=1 m=28
